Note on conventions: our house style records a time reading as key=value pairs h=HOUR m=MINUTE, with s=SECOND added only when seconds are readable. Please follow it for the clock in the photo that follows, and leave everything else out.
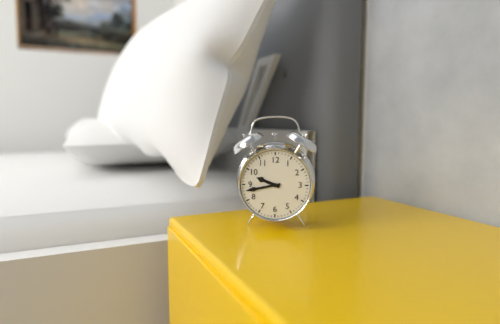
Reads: h=9 m=43
